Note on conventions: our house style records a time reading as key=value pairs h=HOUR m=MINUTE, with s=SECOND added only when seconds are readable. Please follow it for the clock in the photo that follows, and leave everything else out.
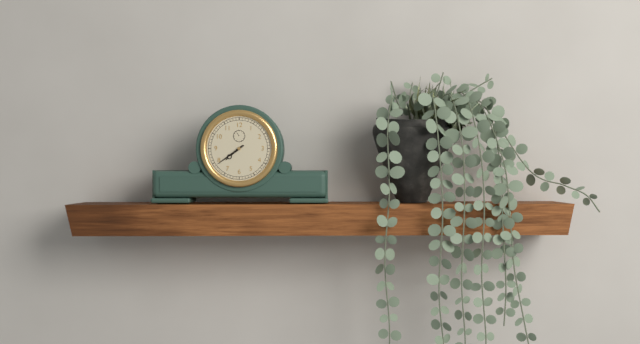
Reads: h=7 m=39
